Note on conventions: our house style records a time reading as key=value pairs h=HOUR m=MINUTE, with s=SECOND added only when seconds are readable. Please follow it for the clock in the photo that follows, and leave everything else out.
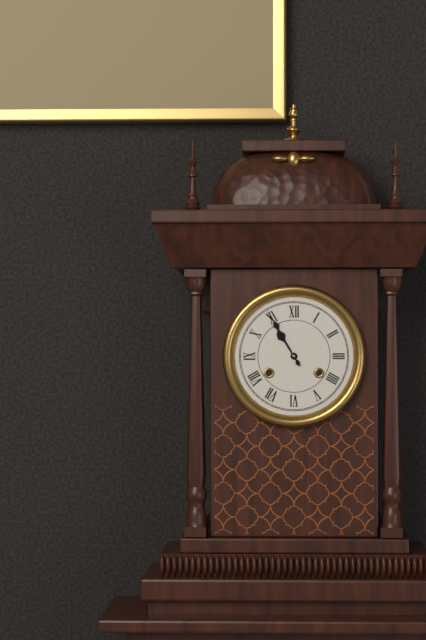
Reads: h=10 m=55
